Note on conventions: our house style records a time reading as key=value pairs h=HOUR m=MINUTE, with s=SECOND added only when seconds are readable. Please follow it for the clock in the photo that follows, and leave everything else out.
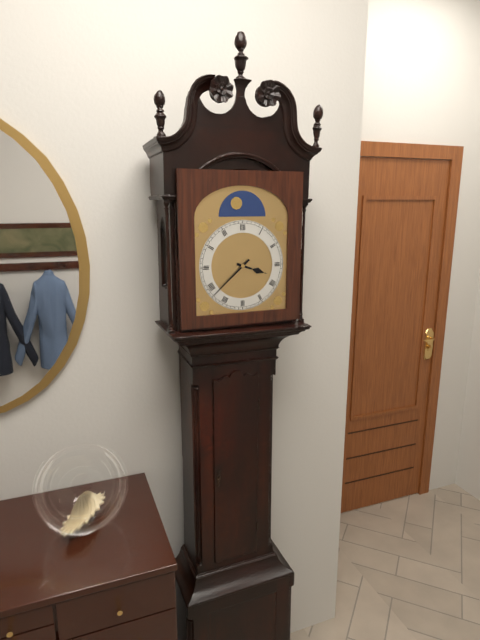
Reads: h=3 m=38
